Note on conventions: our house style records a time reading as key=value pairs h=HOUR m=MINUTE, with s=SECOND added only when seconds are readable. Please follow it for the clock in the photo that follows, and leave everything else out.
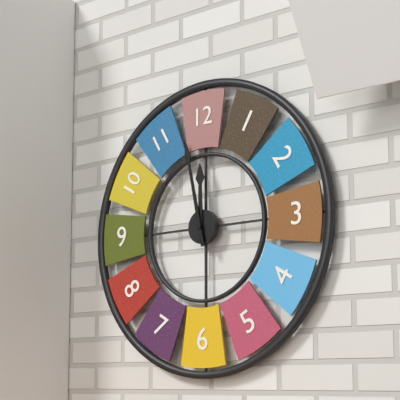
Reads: h=11 m=58
